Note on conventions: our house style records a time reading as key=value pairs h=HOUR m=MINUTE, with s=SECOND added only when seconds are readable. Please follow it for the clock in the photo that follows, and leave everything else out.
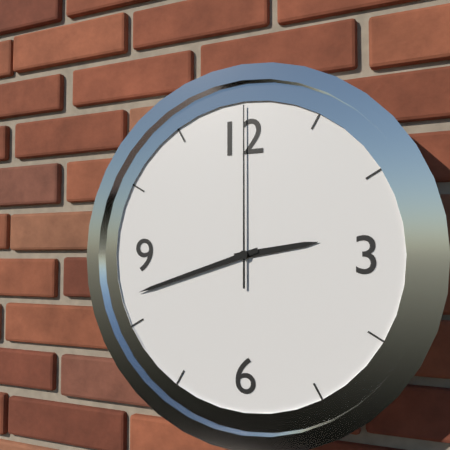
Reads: h=2 m=42 s=0
